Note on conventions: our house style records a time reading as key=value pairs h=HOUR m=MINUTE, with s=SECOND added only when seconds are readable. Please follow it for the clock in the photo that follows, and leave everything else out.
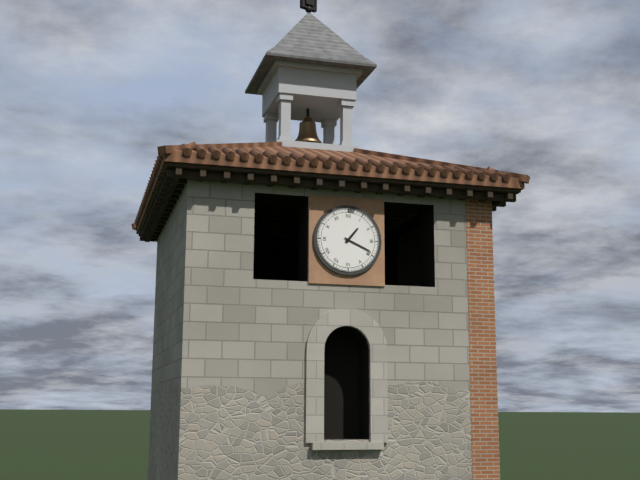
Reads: h=1 m=19
